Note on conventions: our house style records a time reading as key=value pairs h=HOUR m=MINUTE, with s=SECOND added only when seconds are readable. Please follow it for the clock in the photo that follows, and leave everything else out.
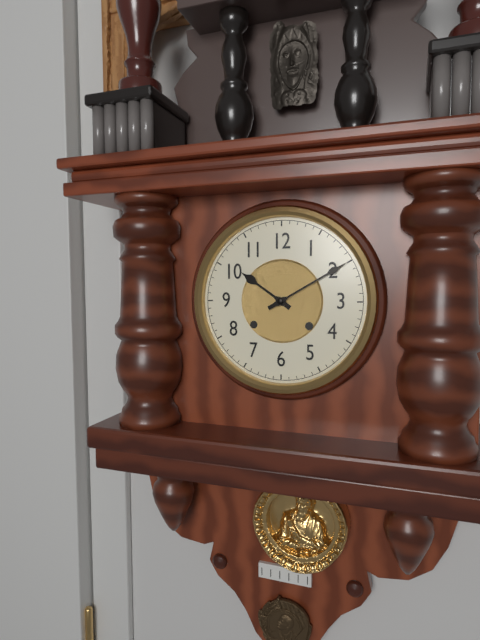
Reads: h=10 m=10
